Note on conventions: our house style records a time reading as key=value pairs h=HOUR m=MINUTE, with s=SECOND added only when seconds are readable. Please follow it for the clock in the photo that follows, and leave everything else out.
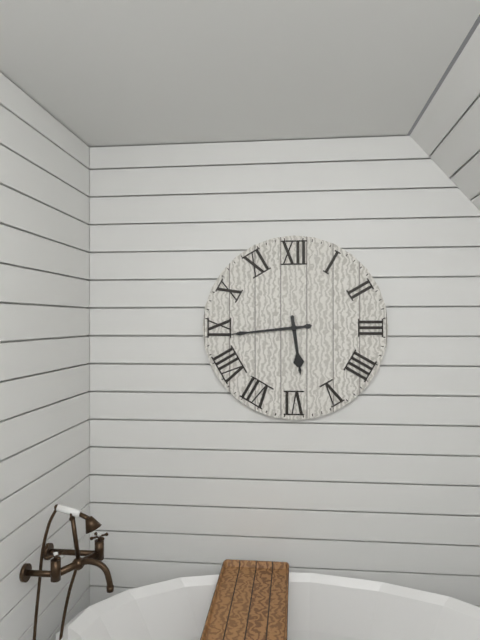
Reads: h=5 m=44
